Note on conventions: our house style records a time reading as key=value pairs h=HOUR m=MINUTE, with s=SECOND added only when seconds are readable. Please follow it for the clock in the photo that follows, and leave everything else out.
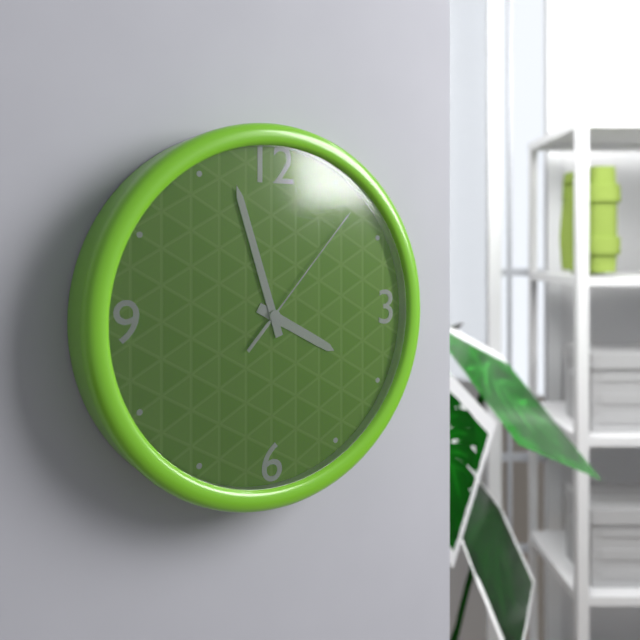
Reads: h=3 m=57 s=7
